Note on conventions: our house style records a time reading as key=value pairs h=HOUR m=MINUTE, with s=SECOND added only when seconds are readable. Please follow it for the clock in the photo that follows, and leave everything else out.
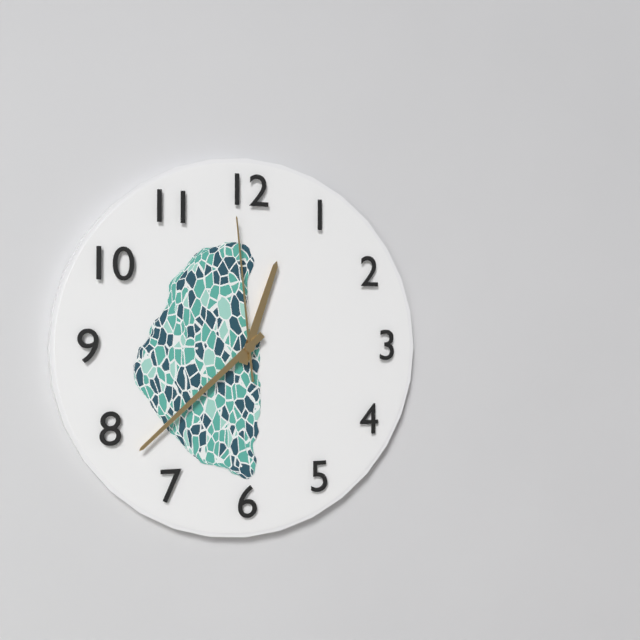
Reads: h=12 m=38 s=59
